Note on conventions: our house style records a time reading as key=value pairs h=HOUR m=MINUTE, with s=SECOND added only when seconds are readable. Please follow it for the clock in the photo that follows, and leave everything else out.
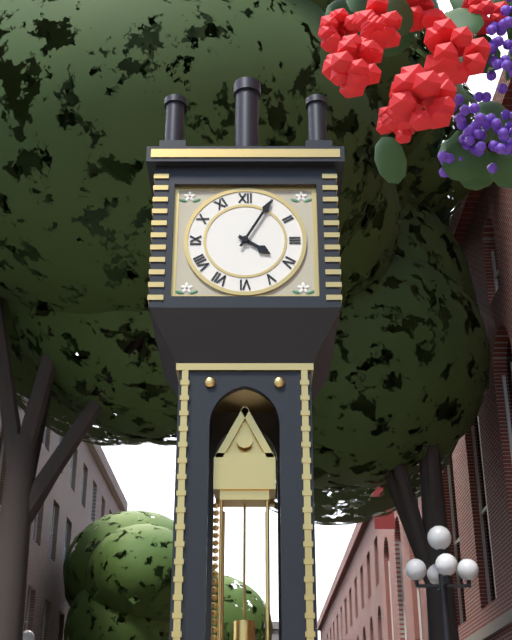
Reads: h=4 m=5
